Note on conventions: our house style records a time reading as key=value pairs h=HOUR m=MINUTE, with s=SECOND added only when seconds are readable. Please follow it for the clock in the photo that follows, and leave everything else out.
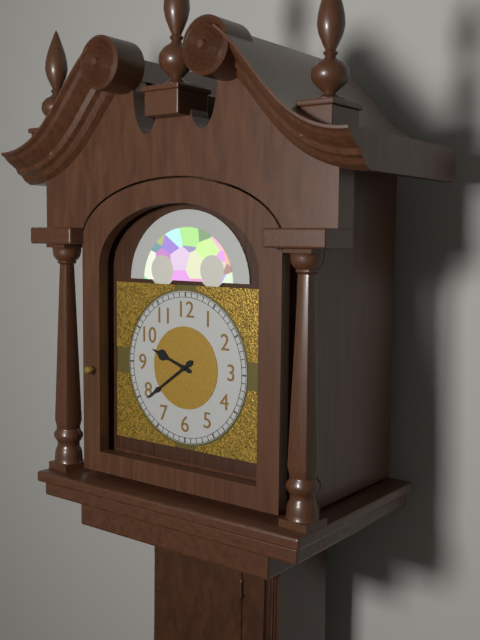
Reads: h=9 m=39
